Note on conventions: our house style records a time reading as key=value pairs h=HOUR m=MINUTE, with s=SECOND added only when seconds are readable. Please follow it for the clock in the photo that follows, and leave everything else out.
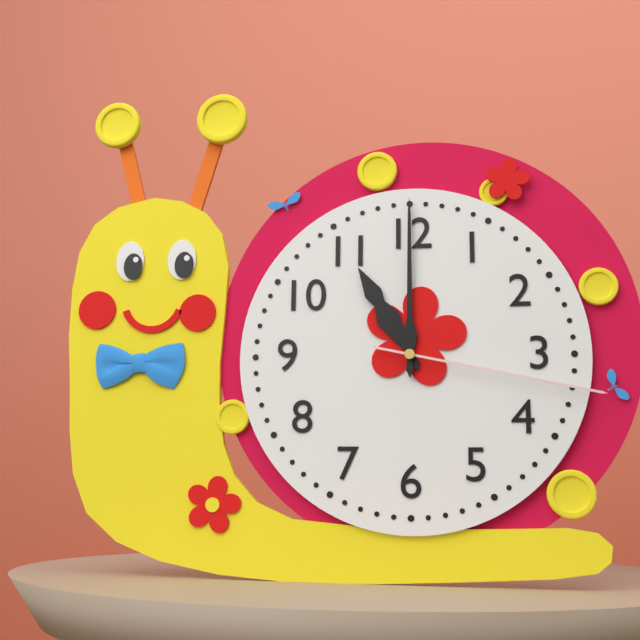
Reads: h=11 m=0 s=17
